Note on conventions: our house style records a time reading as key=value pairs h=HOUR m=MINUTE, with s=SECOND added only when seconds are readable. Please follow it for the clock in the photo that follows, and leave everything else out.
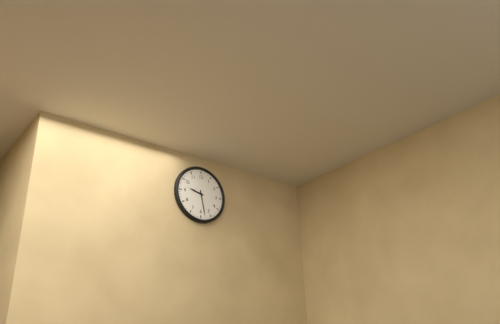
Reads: h=9 m=28
